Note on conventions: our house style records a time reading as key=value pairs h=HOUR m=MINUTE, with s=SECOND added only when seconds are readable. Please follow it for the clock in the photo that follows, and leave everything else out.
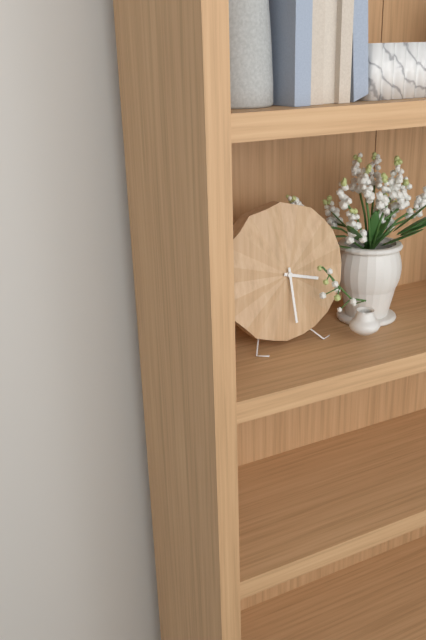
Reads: h=3 m=29
